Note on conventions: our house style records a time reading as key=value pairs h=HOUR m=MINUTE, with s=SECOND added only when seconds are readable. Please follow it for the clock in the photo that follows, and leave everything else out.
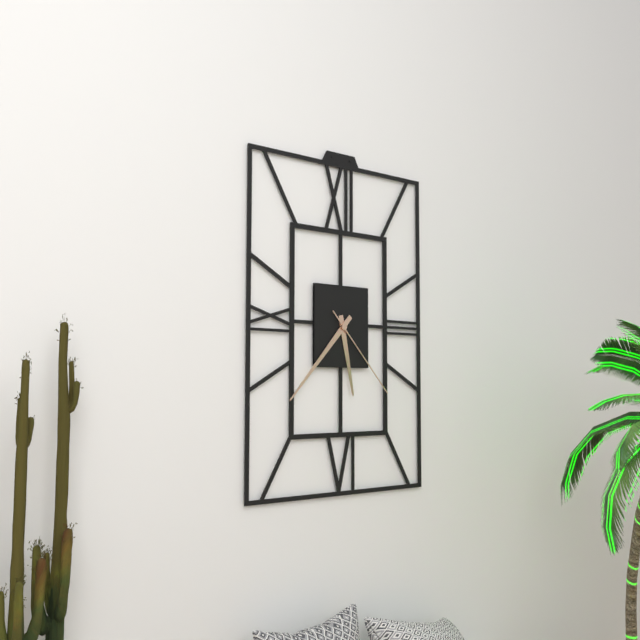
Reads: h=5 m=37 s=23
